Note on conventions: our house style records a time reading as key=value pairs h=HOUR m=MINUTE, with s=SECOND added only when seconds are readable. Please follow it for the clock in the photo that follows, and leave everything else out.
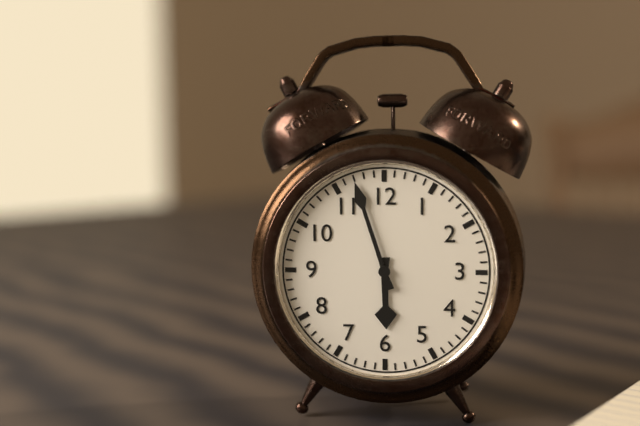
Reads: h=5 m=57
